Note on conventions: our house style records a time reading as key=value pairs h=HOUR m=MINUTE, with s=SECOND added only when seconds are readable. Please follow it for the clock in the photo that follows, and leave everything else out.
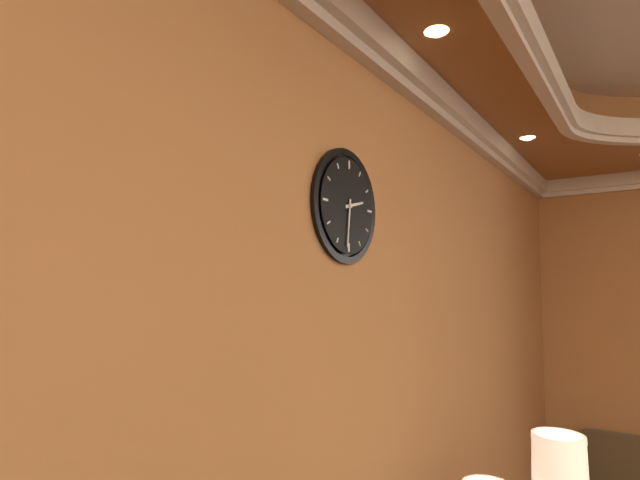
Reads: h=2 m=31
